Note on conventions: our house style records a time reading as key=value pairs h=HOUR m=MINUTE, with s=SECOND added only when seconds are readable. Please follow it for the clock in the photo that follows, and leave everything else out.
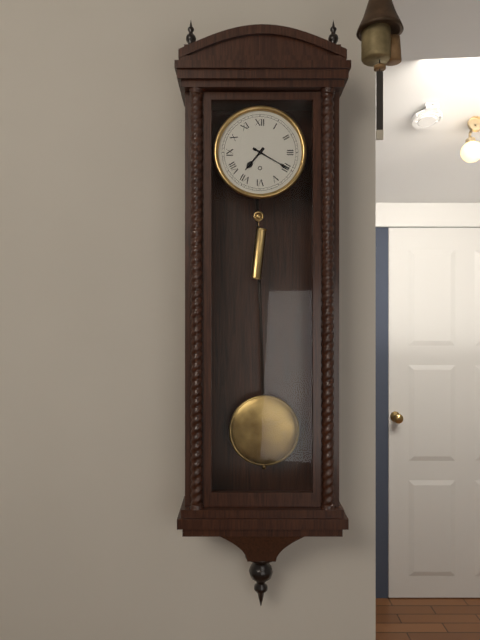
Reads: h=7 m=20
